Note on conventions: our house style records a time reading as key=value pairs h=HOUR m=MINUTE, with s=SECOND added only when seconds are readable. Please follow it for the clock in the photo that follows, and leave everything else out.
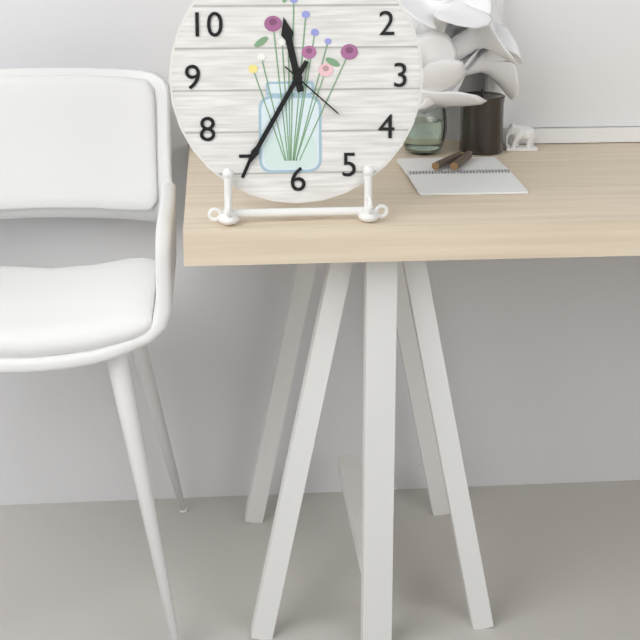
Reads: h=11 m=35 s=22
